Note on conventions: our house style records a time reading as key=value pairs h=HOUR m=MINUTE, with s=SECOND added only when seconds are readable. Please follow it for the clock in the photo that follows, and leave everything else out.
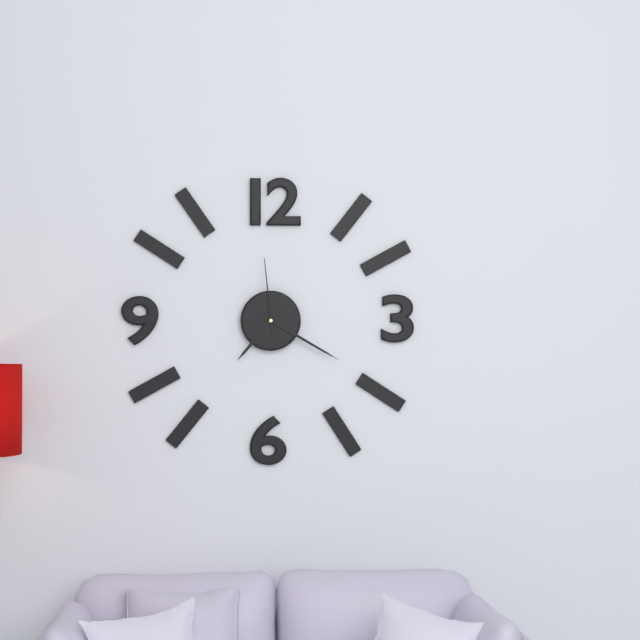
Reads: h=7 m=20 s=59
